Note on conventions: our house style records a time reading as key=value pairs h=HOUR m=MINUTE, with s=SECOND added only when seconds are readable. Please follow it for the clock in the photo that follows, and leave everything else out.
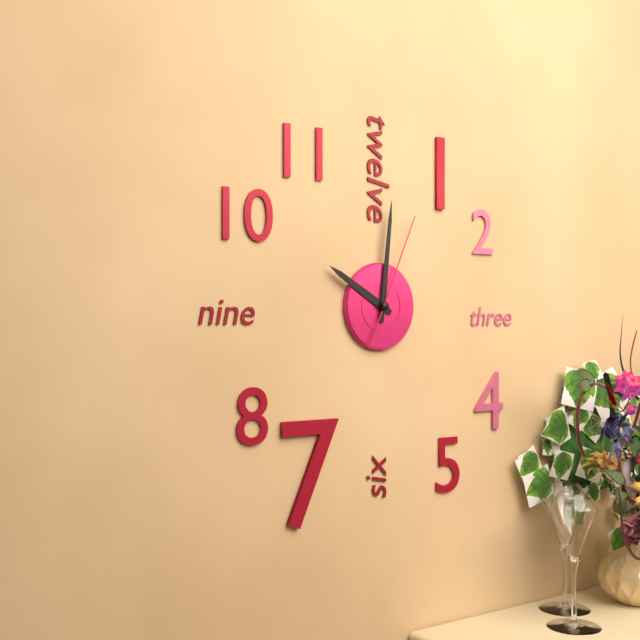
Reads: h=10 m=1 s=4
